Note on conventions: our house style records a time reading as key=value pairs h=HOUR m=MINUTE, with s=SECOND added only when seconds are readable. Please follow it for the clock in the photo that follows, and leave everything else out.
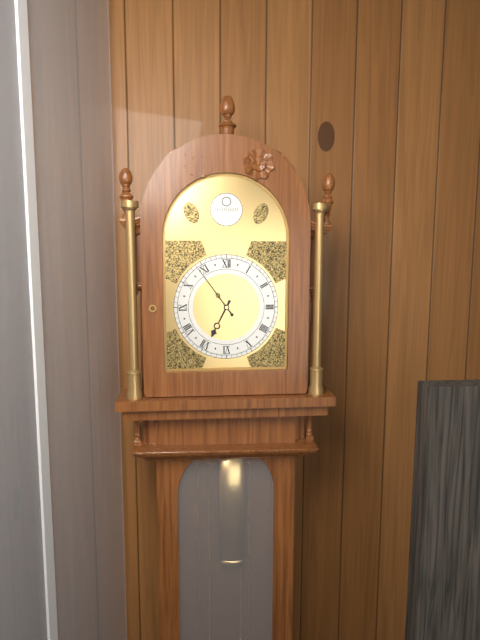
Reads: h=6 m=54
